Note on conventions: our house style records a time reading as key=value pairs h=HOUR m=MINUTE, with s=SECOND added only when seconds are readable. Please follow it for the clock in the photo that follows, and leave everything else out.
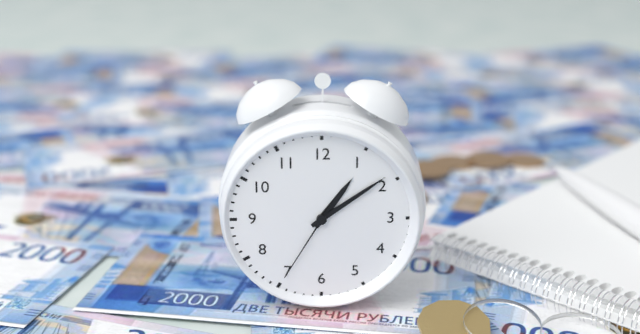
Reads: h=1 m=9 s=35
